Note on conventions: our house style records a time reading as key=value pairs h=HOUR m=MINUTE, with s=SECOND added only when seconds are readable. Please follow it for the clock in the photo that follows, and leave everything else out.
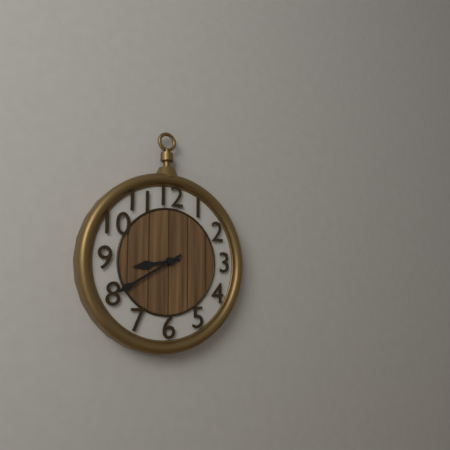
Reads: h=8 m=40
